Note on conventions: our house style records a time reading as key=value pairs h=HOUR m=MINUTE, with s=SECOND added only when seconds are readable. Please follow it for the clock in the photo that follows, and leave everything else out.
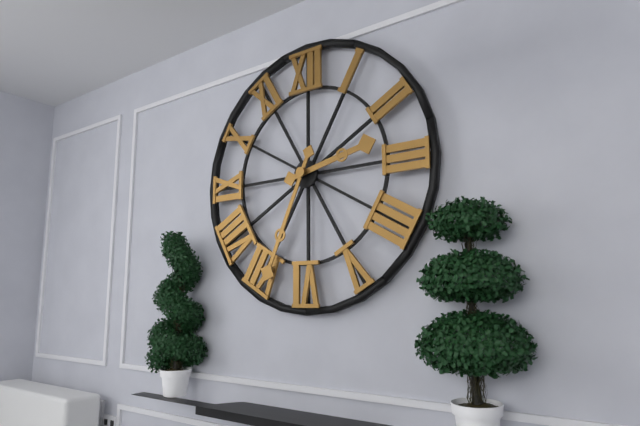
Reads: h=2 m=34
